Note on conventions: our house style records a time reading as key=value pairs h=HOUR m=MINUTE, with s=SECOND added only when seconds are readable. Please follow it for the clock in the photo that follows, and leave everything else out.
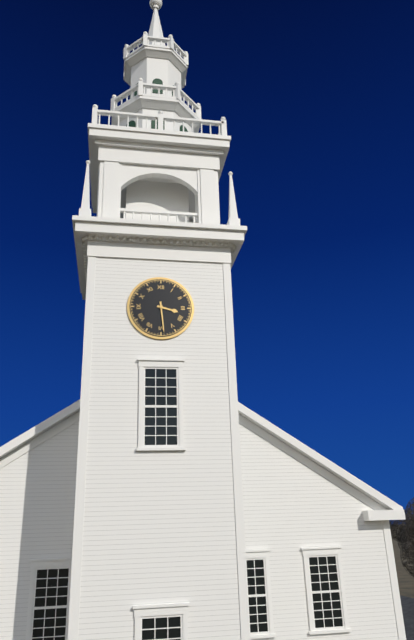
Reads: h=3 m=29
